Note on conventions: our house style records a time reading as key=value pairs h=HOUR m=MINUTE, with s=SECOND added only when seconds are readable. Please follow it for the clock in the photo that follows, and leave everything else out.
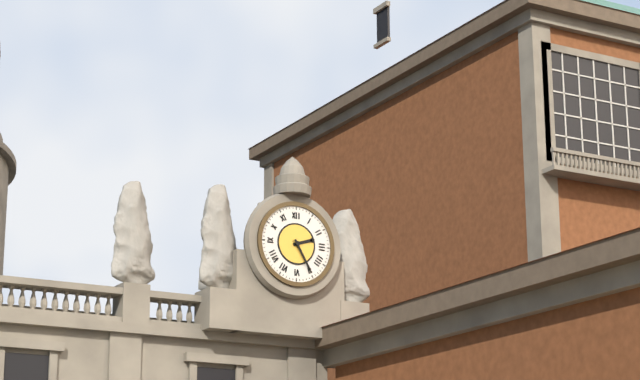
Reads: h=2 m=25
